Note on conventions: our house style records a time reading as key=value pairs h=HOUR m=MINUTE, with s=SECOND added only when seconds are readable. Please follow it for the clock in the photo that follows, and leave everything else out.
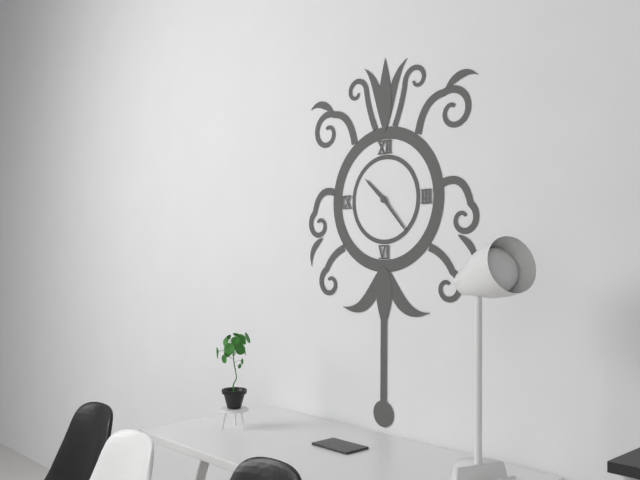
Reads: h=10 m=23
